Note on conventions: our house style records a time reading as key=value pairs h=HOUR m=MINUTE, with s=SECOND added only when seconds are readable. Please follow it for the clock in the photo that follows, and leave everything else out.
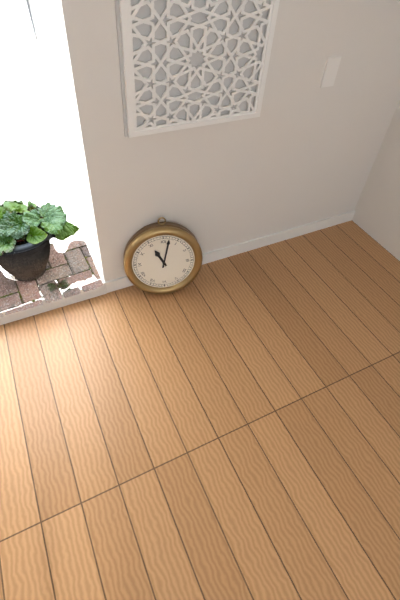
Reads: h=11 m=2
